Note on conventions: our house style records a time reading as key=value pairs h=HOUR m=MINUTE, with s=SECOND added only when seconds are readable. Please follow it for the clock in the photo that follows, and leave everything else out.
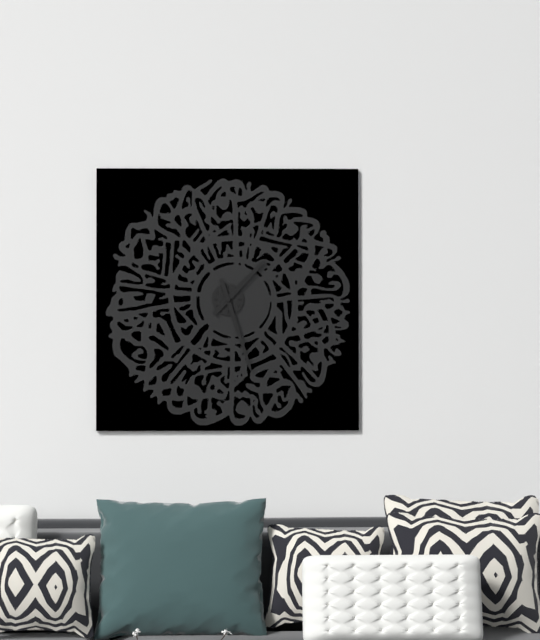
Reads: h=1 m=27
